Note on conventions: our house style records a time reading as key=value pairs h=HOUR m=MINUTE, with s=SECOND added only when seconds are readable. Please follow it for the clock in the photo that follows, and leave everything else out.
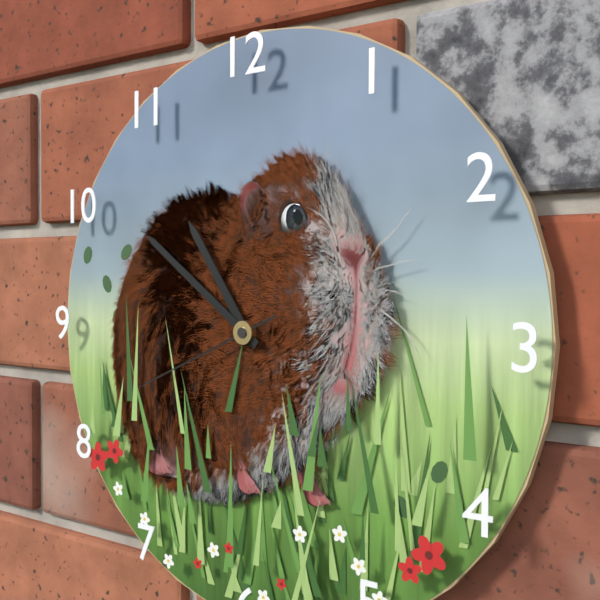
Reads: h=10 m=51 s=41
